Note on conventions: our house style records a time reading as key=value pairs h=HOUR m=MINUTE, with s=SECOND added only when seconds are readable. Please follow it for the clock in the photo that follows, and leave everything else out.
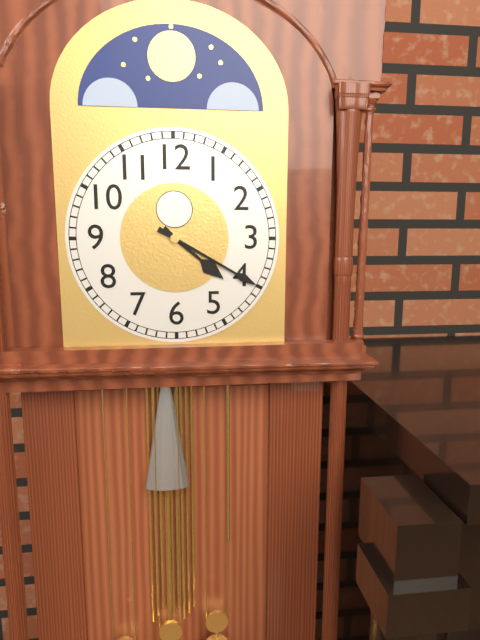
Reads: h=4 m=20
